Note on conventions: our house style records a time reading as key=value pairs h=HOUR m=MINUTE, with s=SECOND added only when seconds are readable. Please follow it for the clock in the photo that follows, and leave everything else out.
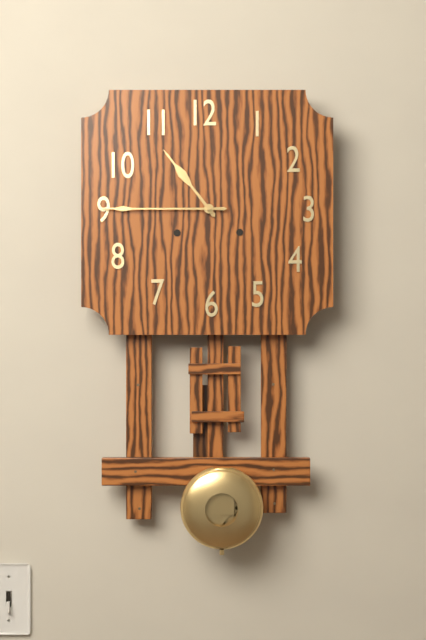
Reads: h=10 m=45
